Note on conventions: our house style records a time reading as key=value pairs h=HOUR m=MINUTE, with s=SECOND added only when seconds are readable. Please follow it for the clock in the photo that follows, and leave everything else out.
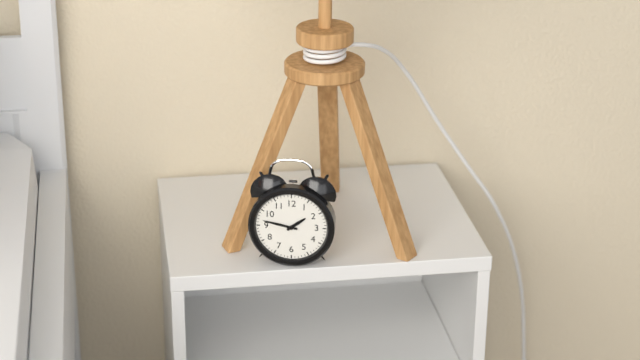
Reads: h=1 m=47
